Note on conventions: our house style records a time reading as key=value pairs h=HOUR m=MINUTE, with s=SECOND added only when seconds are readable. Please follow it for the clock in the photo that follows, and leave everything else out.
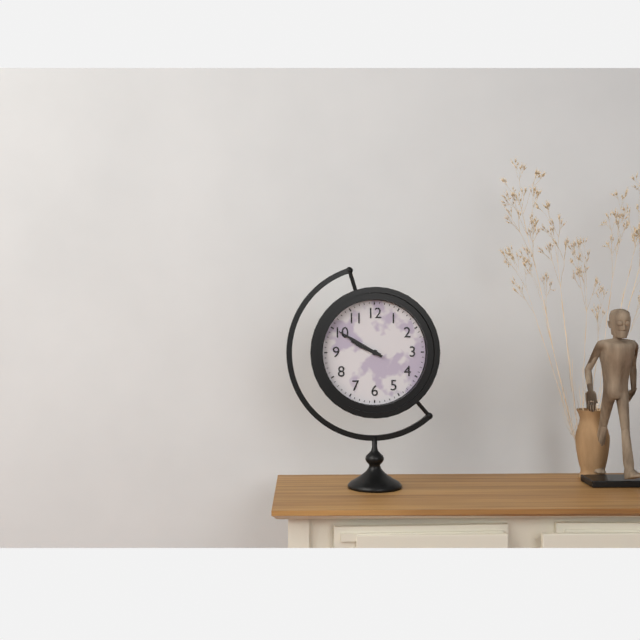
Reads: h=9 m=50
